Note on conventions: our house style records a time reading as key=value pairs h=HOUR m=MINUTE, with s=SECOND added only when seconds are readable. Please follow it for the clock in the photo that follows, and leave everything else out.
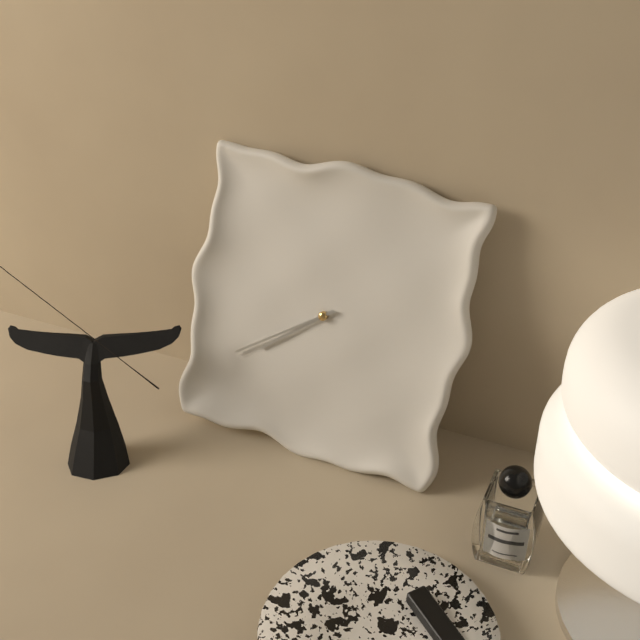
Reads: h=7 m=39
